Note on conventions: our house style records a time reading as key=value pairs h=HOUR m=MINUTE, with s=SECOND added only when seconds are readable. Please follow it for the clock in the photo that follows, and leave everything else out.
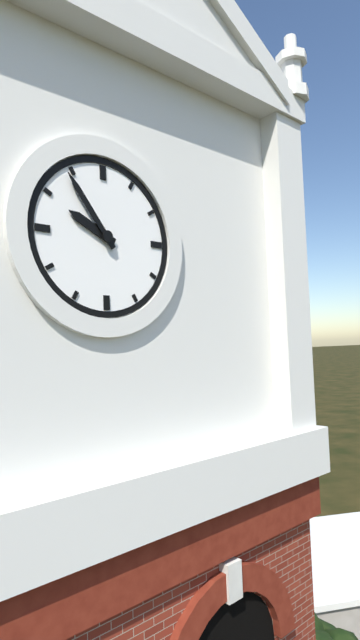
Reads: h=9 m=54
